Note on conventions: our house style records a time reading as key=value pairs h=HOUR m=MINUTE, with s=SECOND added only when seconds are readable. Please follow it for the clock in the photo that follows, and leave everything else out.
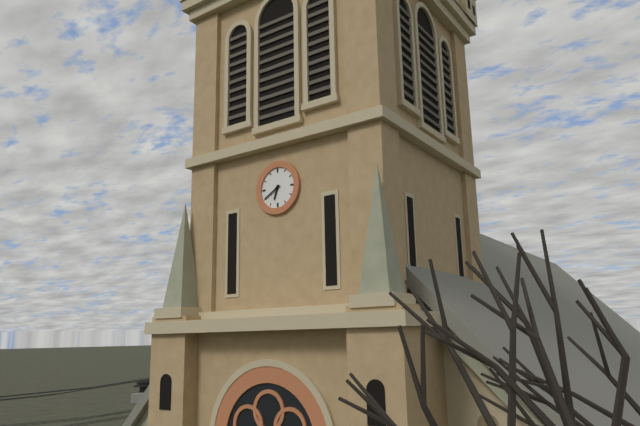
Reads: h=6 m=40
